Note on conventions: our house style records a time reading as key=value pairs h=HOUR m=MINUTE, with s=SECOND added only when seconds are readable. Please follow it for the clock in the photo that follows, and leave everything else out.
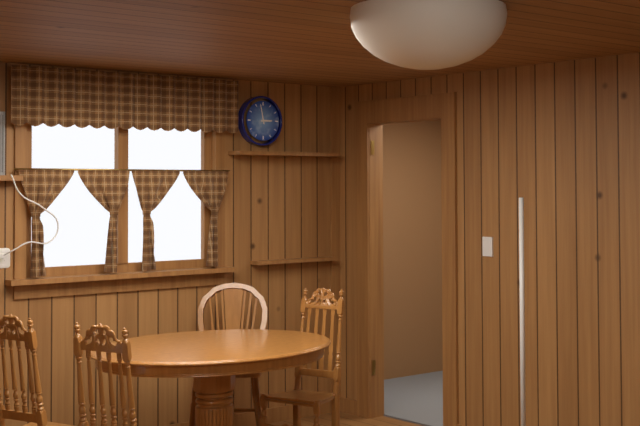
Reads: h=2 m=58
